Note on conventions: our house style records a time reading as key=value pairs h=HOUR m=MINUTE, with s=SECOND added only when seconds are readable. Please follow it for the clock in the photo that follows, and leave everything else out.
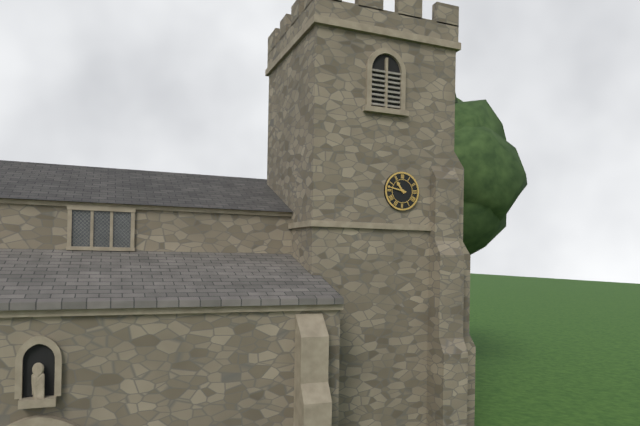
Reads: h=10 m=47
